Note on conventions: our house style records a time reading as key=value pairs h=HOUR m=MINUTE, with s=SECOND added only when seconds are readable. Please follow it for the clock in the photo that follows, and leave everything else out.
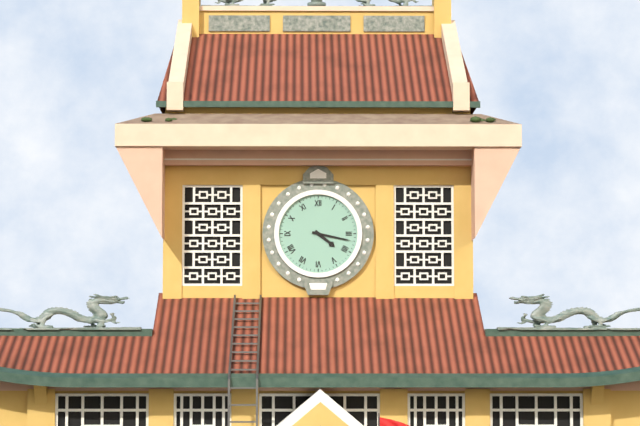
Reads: h=4 m=17
